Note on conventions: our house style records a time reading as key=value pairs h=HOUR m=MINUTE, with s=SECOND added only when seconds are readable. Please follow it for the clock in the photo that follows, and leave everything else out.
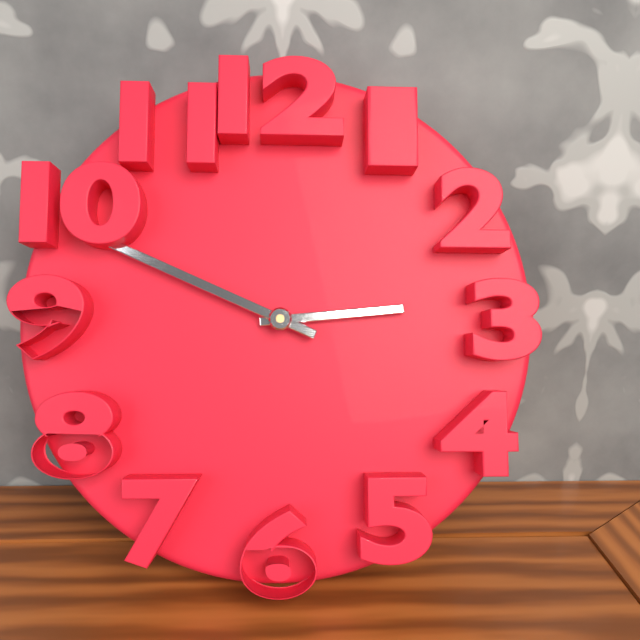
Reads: h=2 m=49
